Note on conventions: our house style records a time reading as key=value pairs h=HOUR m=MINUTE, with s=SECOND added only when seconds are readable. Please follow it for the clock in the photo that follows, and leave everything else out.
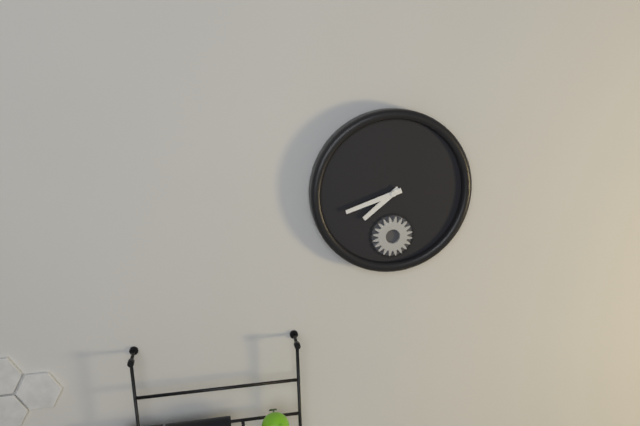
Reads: h=7 m=42
